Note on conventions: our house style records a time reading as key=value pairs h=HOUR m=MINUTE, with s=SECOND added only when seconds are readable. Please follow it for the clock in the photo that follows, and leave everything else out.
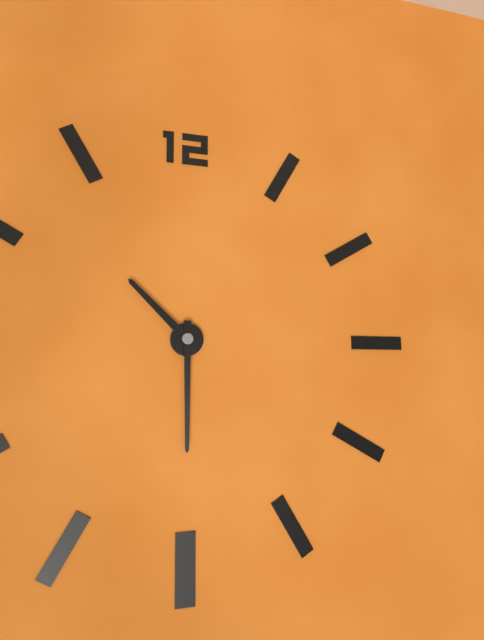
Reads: h=10 m=30
